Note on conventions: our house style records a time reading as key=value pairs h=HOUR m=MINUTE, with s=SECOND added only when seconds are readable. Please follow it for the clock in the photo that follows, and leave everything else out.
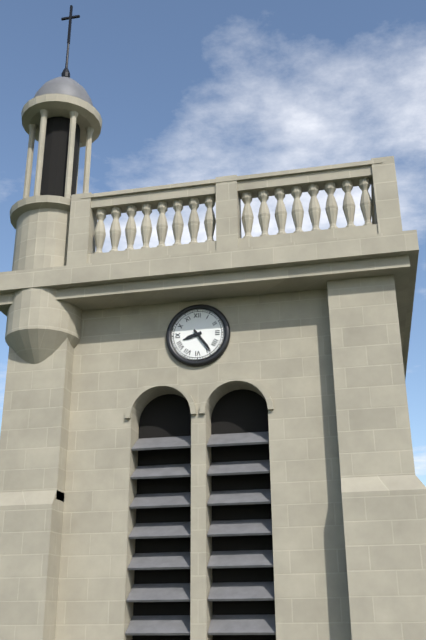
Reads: h=8 m=24
